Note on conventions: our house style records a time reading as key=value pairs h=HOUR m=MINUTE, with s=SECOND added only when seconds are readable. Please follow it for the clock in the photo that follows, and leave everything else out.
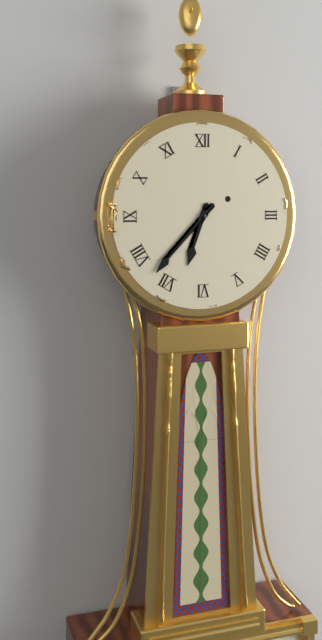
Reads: h=6 m=37
